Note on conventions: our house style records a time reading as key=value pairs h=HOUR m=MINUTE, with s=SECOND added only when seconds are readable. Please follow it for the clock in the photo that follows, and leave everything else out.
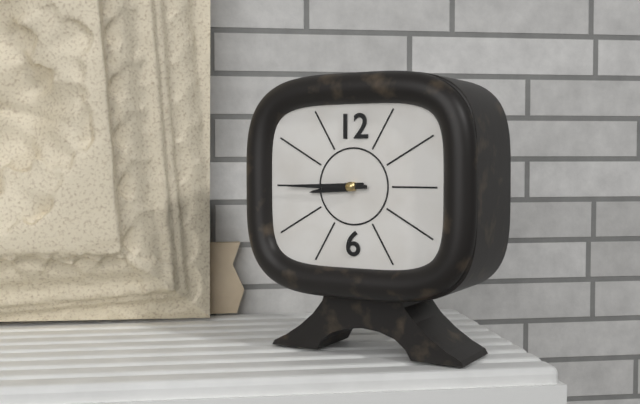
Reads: h=8 m=45
